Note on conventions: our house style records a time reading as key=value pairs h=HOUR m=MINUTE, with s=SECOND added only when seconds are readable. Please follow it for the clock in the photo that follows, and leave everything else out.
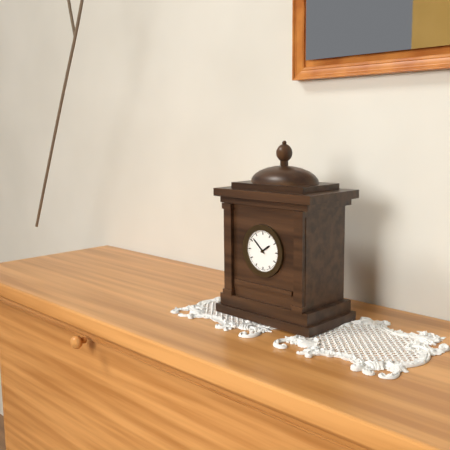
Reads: h=1 m=52
